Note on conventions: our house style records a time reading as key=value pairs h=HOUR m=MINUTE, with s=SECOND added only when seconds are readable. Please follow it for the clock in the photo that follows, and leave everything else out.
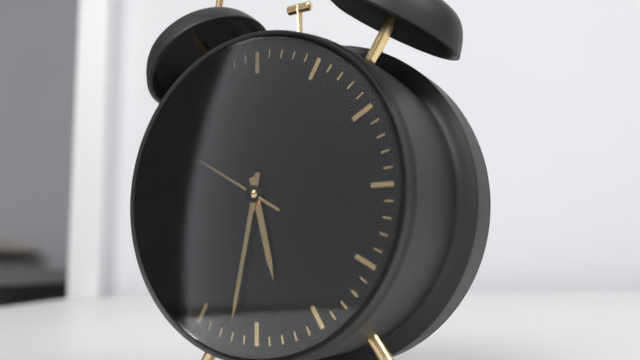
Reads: h=5 m=32 s=50
